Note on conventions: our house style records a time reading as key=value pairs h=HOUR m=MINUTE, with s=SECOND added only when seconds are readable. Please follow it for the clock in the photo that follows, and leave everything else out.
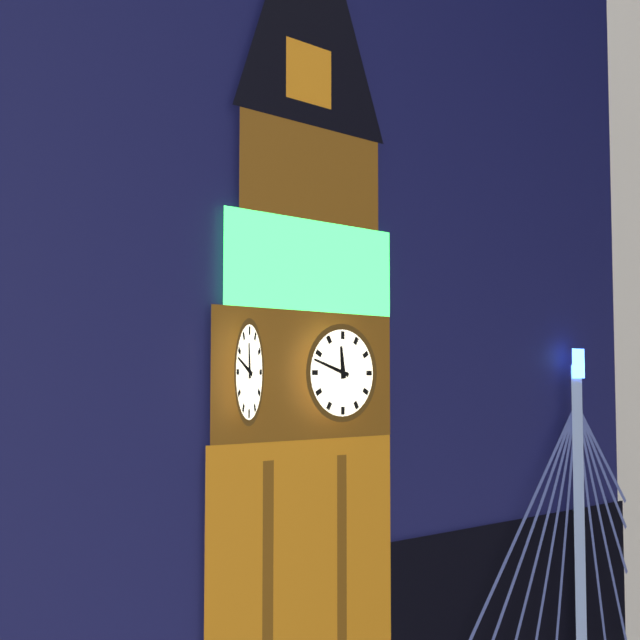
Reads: h=11 m=48
